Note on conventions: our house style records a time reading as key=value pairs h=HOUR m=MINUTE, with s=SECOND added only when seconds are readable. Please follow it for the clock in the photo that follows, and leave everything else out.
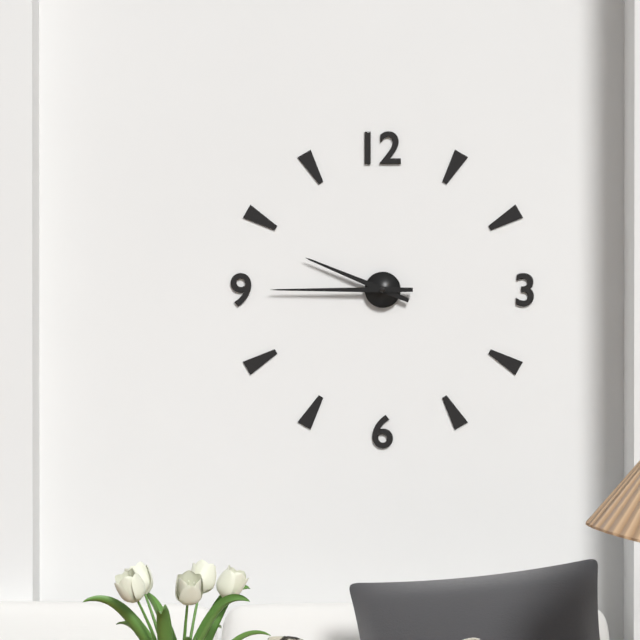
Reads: h=9 m=45
